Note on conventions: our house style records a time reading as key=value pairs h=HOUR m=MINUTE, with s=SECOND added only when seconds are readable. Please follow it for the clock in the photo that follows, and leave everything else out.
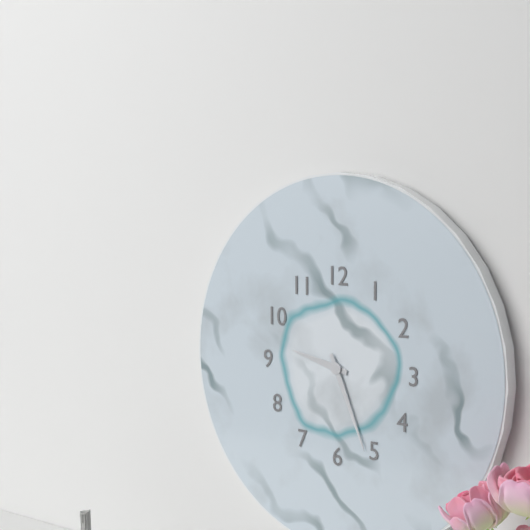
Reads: h=9 m=26
